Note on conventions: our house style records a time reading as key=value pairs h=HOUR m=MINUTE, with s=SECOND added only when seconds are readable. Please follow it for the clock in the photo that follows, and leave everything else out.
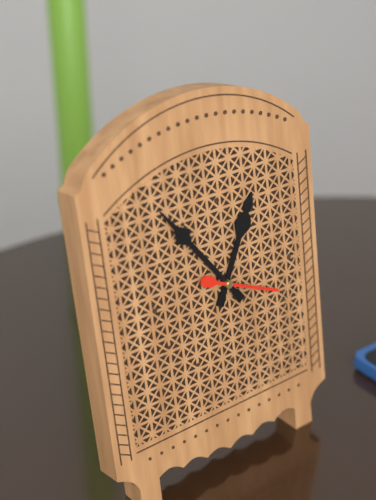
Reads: h=12 m=54 s=19
